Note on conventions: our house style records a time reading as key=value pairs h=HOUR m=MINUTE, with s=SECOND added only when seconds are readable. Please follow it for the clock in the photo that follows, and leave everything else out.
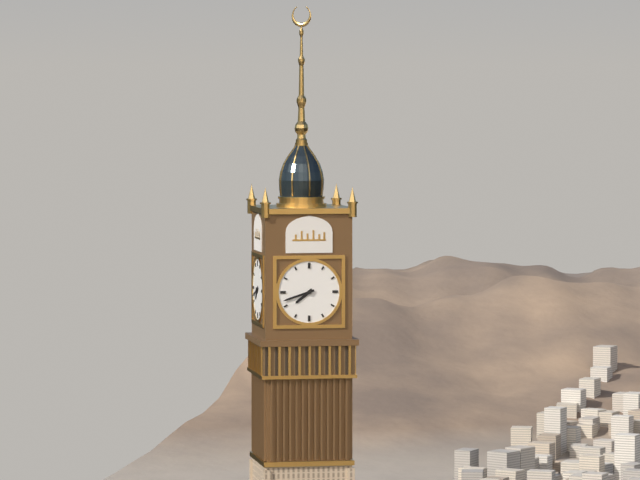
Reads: h=7 m=42
